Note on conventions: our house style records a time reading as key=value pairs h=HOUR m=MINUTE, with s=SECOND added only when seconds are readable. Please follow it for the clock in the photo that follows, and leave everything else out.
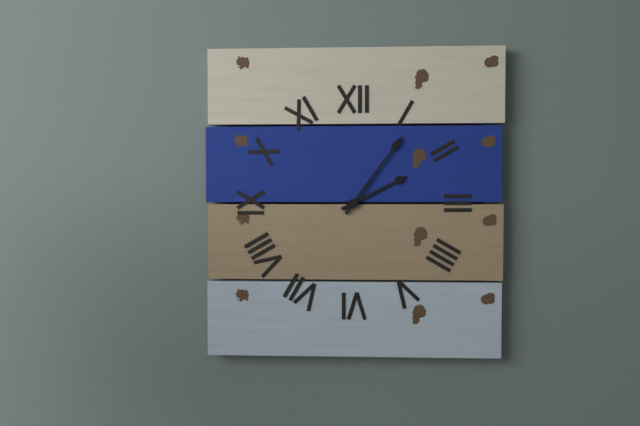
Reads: h=2 m=6
